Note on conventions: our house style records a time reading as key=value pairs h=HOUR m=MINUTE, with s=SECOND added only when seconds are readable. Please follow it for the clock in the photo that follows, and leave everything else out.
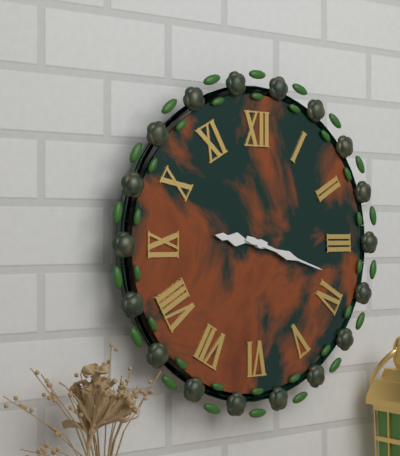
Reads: h=9 m=18
